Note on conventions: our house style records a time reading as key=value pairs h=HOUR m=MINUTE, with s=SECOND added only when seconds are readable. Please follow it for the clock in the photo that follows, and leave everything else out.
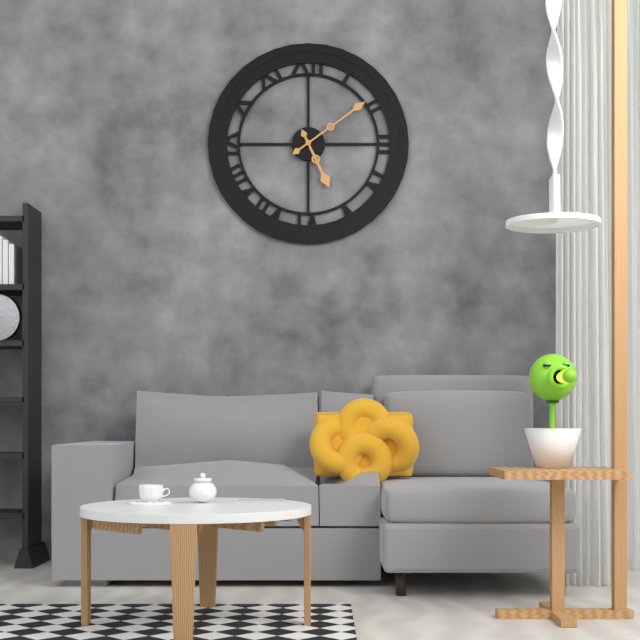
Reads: h=5 m=9
